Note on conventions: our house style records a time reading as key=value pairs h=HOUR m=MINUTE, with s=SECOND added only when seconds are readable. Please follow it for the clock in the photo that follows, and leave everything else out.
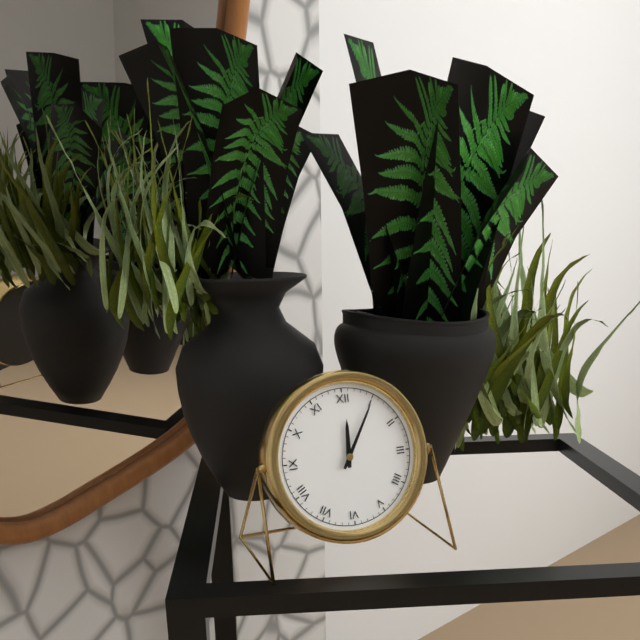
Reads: h=12 m=5
